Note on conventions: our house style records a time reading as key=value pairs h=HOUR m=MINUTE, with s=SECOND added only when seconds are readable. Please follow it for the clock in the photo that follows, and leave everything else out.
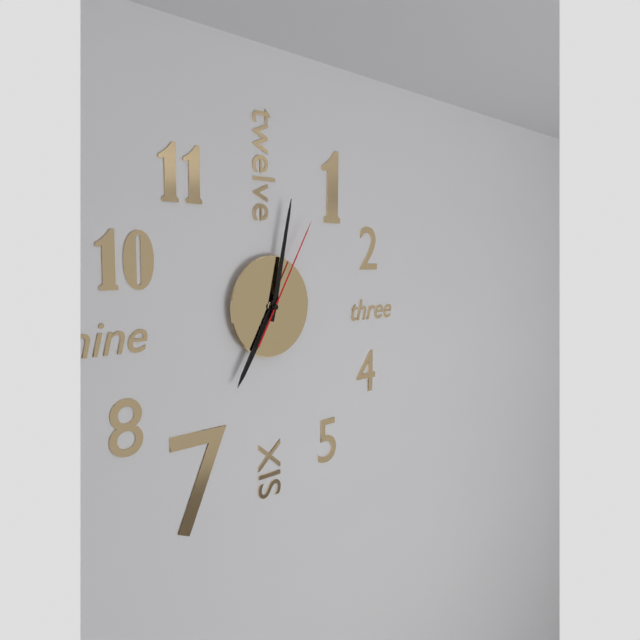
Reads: h=7 m=2 s=5
